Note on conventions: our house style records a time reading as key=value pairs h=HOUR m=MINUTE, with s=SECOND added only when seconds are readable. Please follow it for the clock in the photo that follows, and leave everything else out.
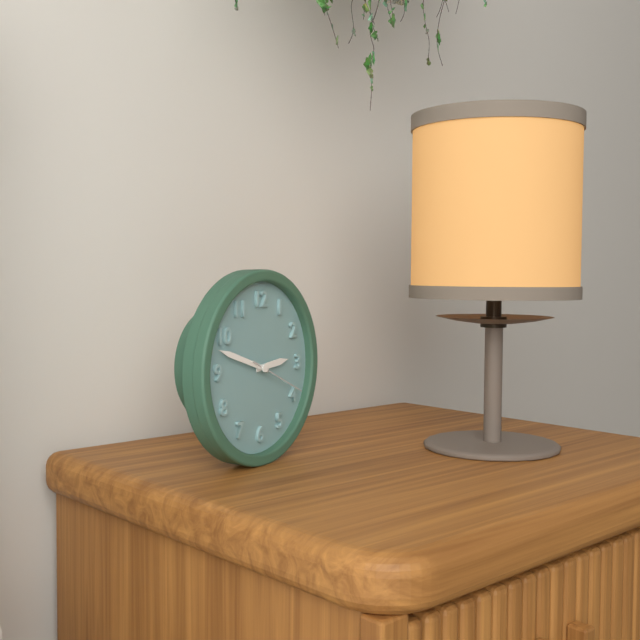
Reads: h=2 m=48 s=19
